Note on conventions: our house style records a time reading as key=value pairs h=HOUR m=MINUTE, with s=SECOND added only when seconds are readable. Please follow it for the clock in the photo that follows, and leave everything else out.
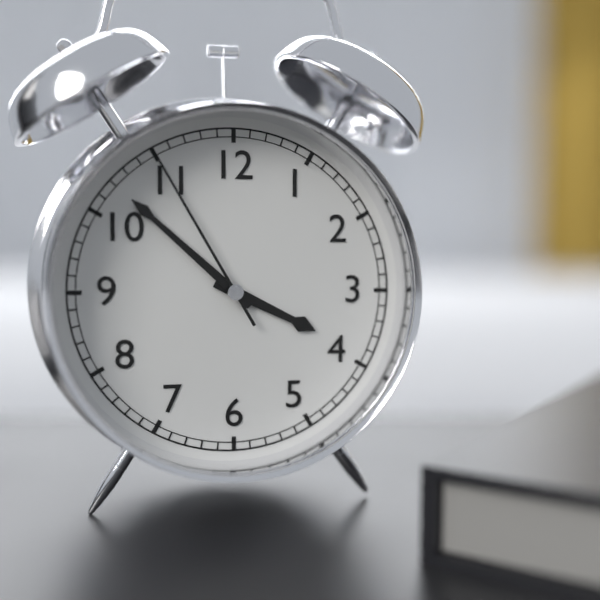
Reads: h=3 m=52 s=55
